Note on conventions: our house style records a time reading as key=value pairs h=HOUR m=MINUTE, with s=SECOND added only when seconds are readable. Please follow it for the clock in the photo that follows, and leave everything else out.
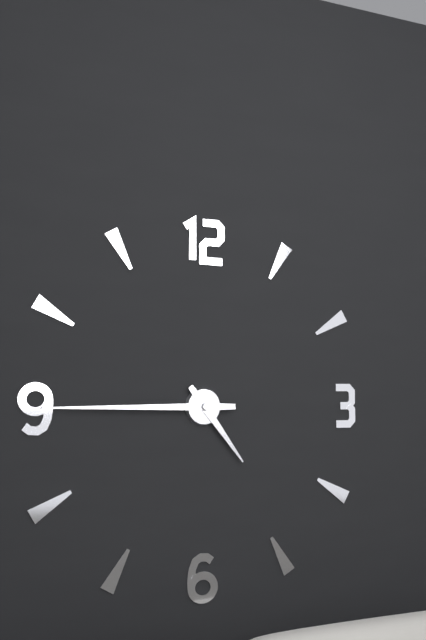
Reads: h=4 m=45
